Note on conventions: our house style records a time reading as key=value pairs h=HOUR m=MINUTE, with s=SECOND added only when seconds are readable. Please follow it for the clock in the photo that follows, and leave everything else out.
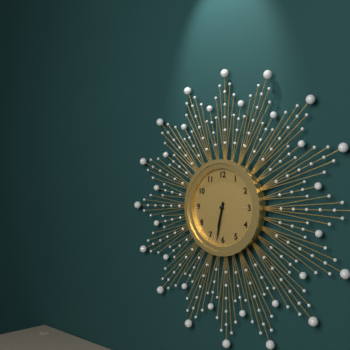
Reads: h=6 m=32
